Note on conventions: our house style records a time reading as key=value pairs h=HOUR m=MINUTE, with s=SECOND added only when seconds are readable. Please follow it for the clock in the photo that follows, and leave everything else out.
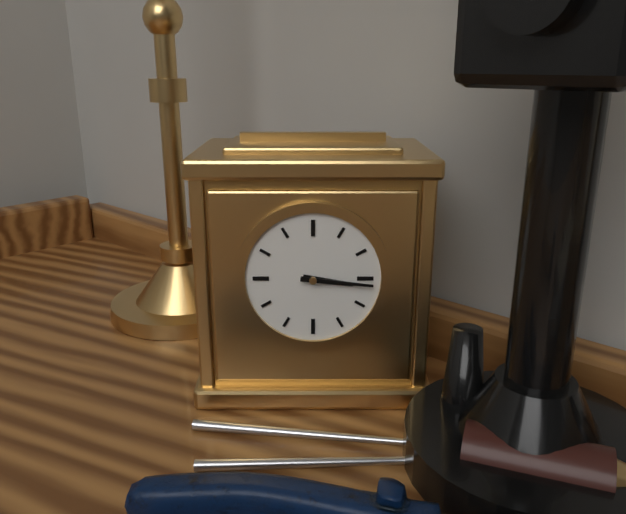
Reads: h=3 m=16
